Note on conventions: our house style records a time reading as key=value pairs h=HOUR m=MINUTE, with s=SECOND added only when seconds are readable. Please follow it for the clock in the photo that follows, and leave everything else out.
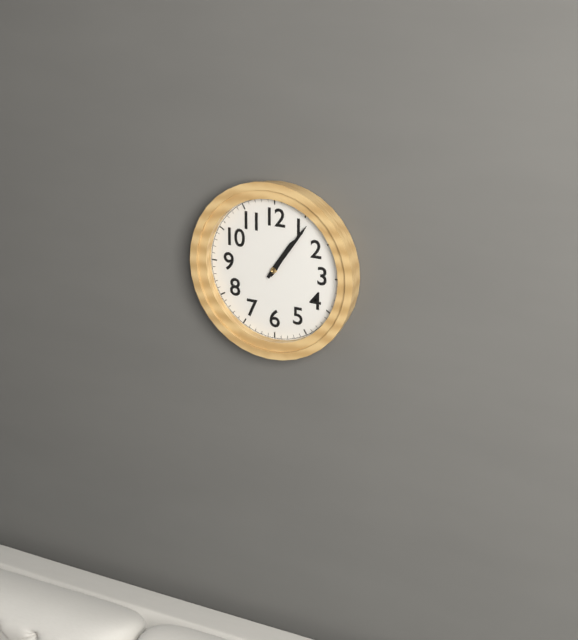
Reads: h=1 m=6
